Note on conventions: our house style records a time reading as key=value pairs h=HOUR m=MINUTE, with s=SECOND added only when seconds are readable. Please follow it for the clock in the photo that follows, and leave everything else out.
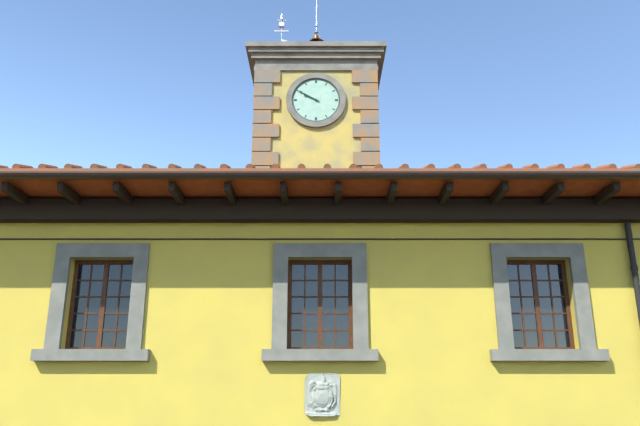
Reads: h=9 m=50
